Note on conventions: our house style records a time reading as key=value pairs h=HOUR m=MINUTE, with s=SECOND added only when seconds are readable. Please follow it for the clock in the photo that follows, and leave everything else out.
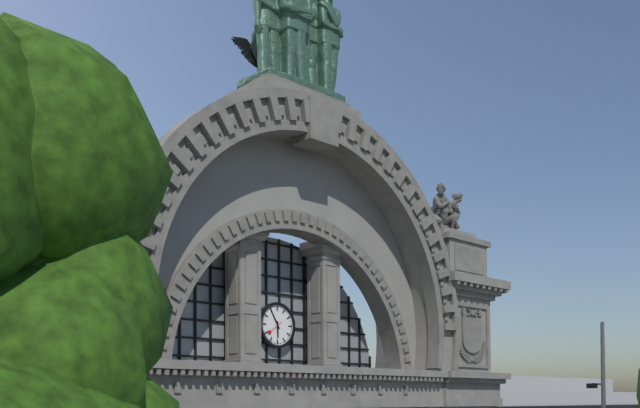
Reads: h=5 m=55
